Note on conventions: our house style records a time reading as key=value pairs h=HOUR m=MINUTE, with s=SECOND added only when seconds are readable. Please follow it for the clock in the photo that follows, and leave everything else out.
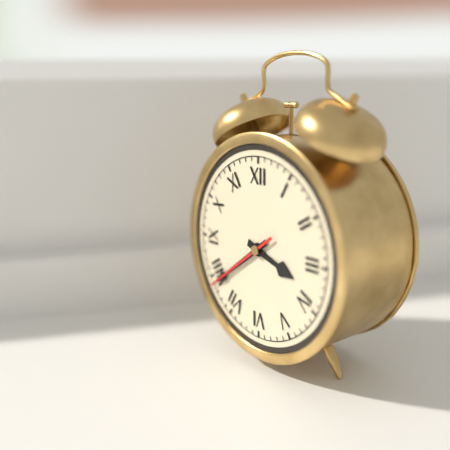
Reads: h=3 m=39 s=39
